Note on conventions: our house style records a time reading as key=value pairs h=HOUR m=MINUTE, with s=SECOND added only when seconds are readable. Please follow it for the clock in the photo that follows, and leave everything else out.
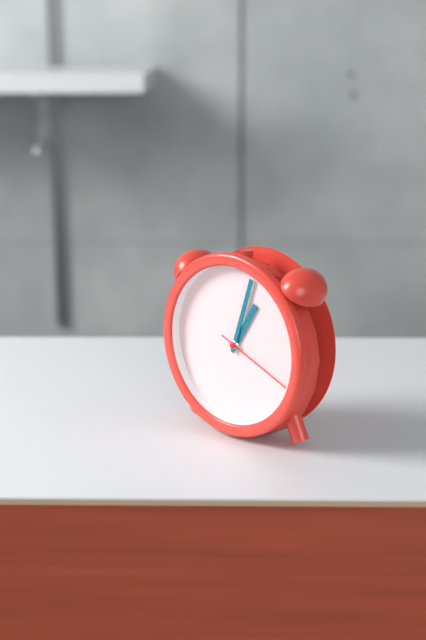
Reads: h=1 m=3 s=19
